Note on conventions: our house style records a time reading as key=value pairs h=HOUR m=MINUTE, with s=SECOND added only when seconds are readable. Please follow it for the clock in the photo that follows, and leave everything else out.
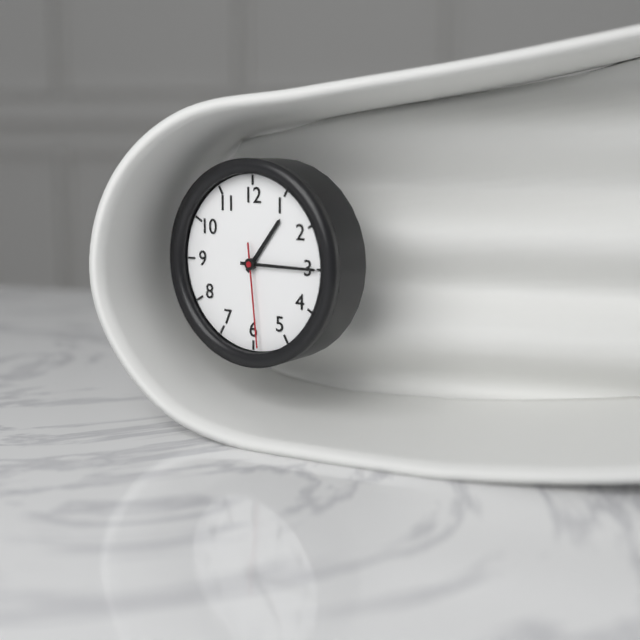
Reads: h=1 m=15 s=29
